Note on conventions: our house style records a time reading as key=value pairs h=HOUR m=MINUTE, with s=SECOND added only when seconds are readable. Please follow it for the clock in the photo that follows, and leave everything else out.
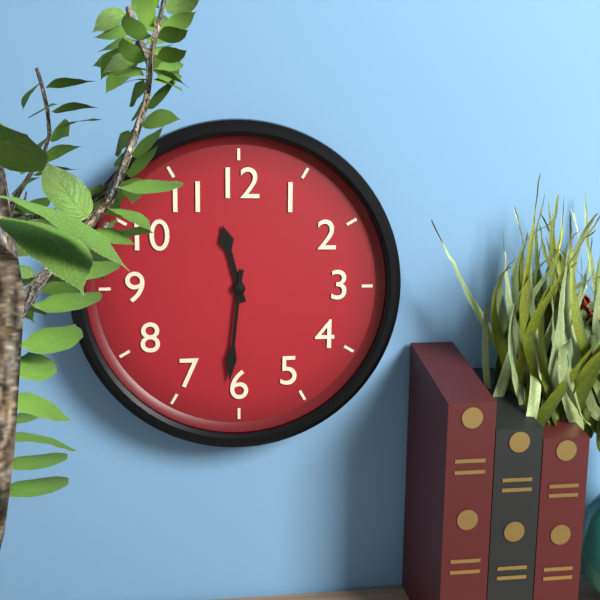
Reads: h=11 m=31
